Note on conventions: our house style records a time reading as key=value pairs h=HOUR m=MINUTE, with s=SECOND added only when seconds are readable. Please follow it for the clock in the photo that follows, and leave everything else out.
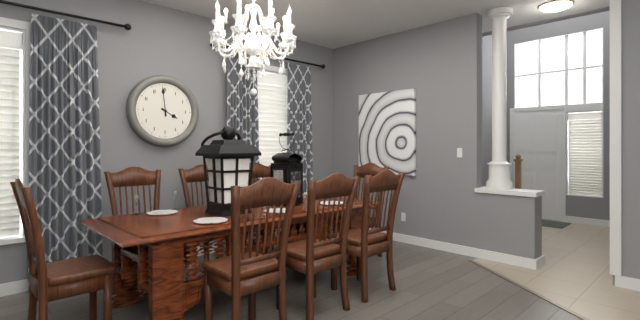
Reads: h=3 m=59
